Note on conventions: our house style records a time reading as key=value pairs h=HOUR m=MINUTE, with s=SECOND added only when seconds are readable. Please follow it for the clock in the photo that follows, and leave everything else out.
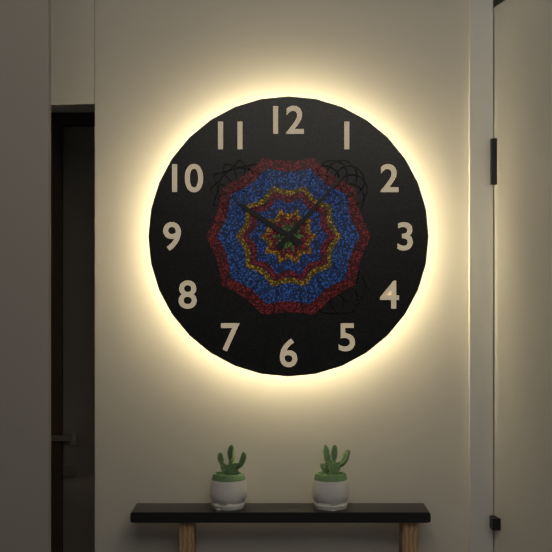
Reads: h=10 m=7
